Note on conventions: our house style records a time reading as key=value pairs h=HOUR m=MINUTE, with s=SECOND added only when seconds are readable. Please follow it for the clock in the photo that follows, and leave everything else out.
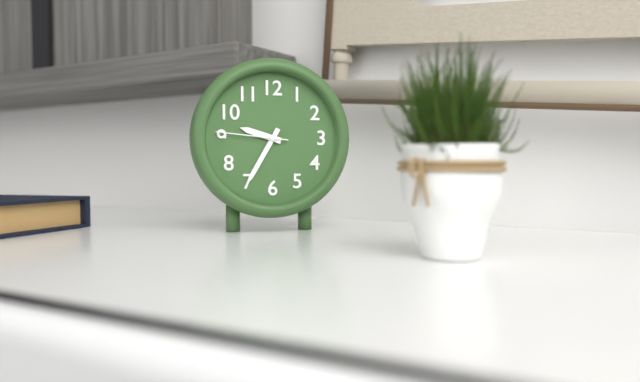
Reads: h=9 m=35 s=46
